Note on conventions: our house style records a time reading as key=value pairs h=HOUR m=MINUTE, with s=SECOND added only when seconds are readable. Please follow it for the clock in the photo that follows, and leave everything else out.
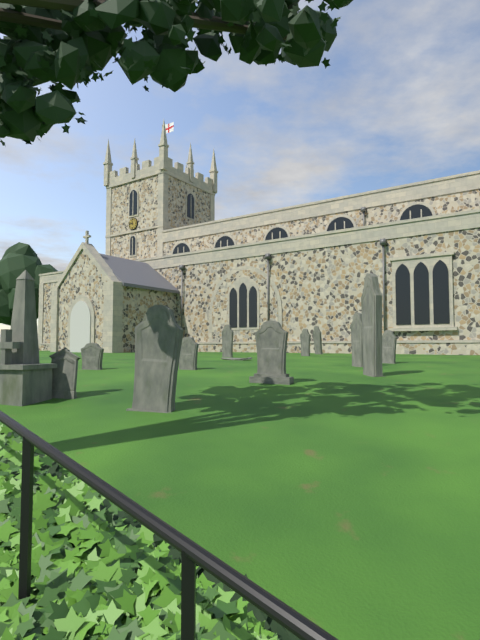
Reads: h=11 m=47
